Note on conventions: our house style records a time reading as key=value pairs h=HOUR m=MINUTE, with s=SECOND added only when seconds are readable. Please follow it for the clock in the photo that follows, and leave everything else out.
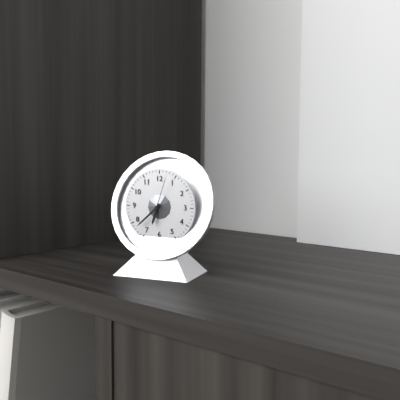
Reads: h=6 m=38
